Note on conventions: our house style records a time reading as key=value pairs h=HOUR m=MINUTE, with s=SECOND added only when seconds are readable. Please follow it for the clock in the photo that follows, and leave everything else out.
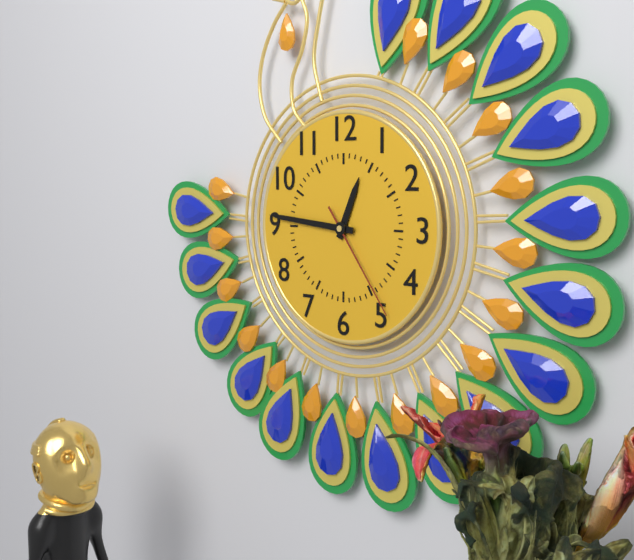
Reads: h=12 m=46 s=24
